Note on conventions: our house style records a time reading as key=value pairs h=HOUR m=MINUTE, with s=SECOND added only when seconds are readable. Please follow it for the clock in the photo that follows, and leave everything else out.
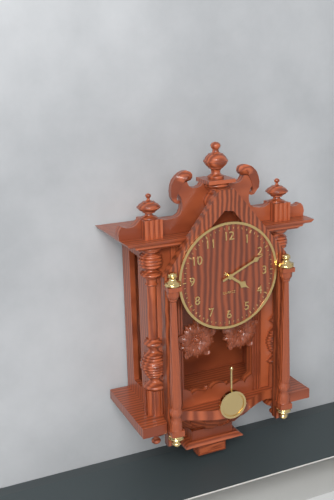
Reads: h=4 m=11
